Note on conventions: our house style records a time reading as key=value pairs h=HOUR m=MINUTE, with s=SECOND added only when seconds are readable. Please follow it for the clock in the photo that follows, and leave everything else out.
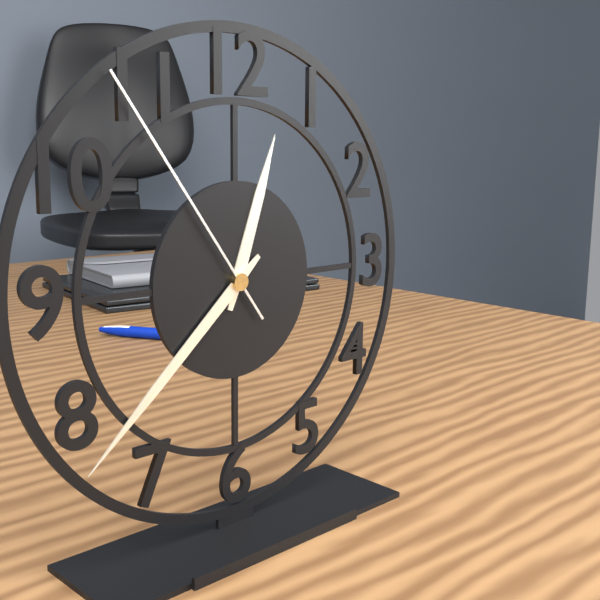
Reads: h=12 m=38 s=54
